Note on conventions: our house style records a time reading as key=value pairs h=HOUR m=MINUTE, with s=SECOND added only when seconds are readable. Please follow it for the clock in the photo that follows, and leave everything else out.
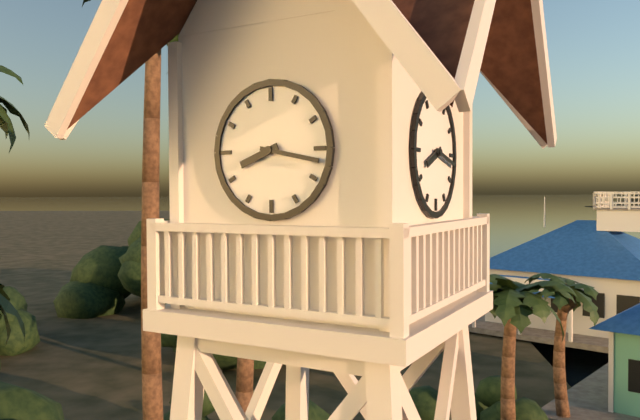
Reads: h=8 m=17
